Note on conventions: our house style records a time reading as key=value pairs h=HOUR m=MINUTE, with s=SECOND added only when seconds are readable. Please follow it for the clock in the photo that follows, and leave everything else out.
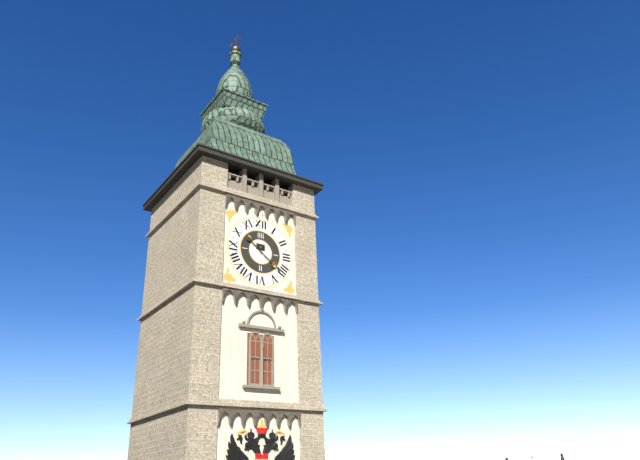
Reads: h=10 m=21
